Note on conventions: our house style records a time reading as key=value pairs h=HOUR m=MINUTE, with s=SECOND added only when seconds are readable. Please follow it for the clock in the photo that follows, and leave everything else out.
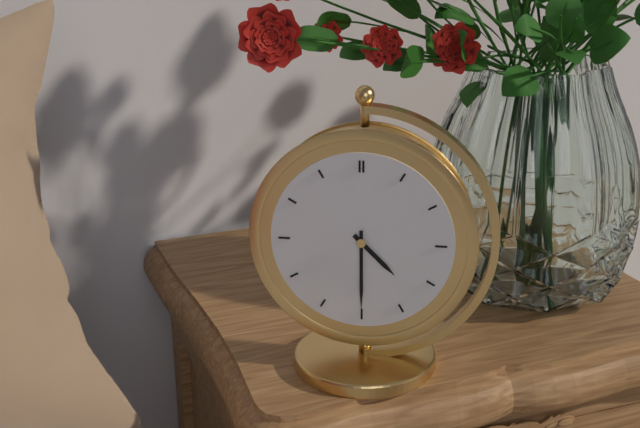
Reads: h=4 m=30
